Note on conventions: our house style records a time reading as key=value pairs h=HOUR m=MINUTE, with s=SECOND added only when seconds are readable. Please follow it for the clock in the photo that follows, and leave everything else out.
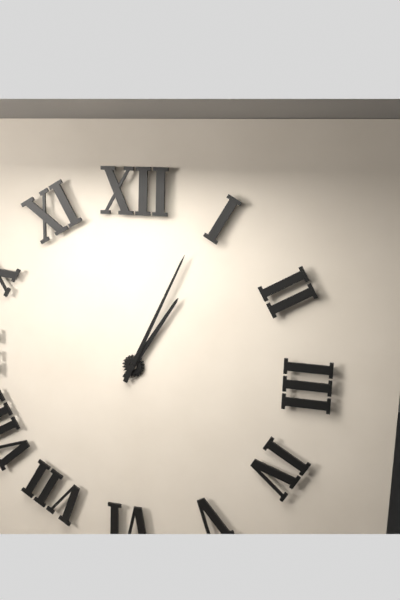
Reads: h=1 m=4
